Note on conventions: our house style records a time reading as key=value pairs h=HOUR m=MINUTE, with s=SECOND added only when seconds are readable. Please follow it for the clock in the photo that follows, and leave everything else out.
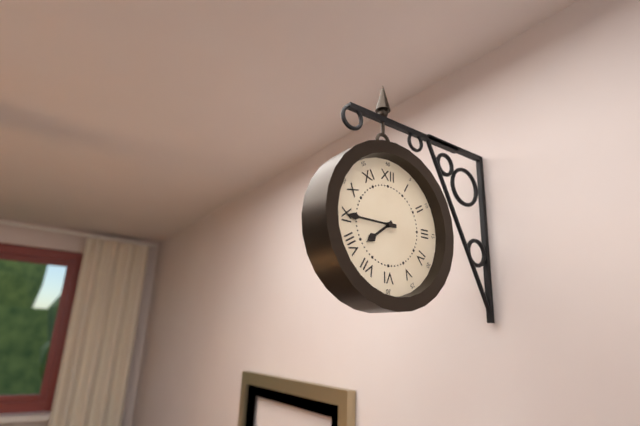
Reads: h=7 m=45
